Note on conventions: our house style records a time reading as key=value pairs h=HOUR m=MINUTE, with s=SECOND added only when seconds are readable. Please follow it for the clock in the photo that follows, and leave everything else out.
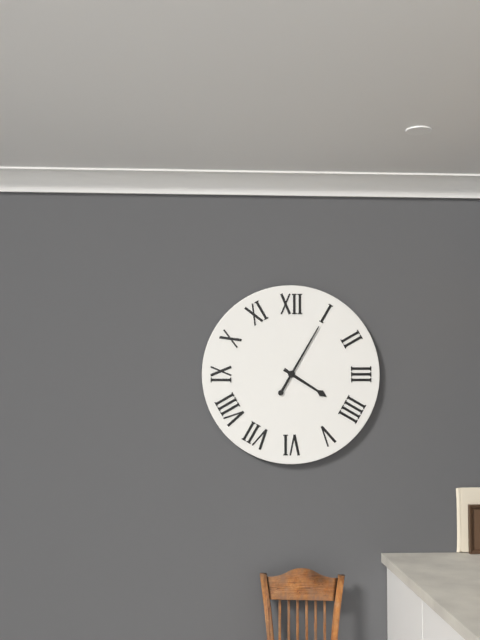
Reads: h=4 m=5
